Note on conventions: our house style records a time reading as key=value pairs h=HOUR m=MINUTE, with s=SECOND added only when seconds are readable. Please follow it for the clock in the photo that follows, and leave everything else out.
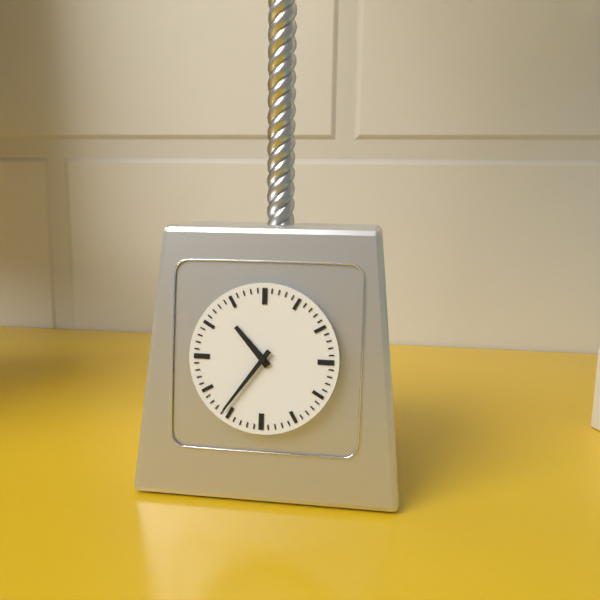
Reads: h=10 m=36
